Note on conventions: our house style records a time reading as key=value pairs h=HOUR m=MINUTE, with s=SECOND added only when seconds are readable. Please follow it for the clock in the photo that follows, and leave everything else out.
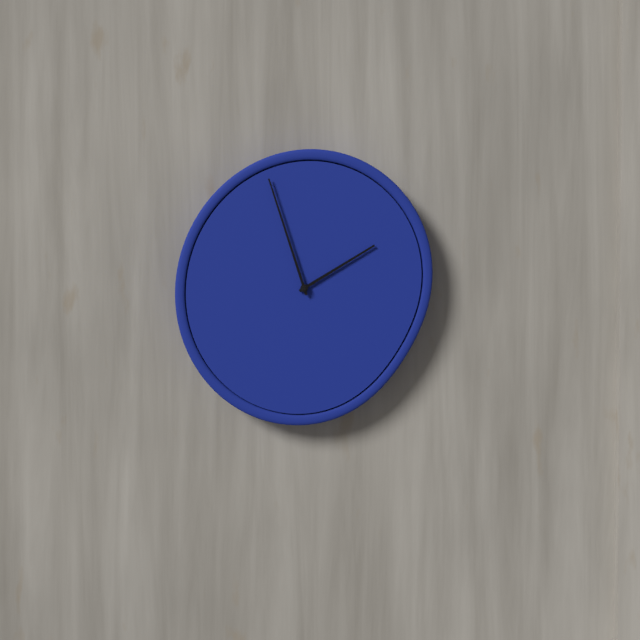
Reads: h=1 m=57
